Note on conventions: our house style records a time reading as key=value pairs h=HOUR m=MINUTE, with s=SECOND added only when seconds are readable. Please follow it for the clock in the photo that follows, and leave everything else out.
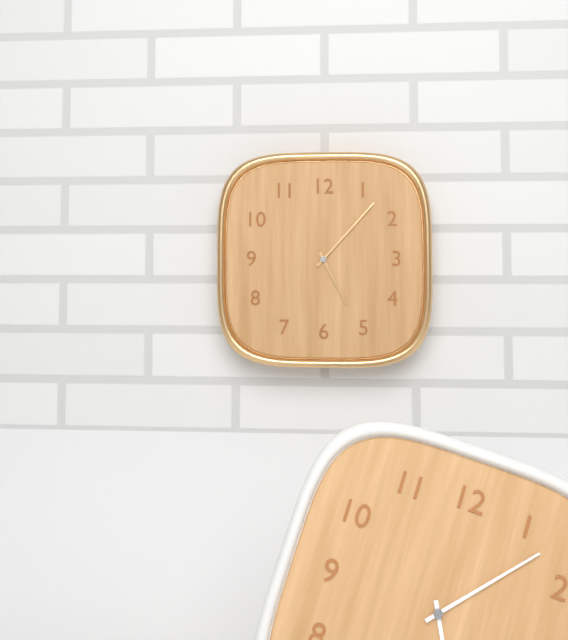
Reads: h=5 m=7
